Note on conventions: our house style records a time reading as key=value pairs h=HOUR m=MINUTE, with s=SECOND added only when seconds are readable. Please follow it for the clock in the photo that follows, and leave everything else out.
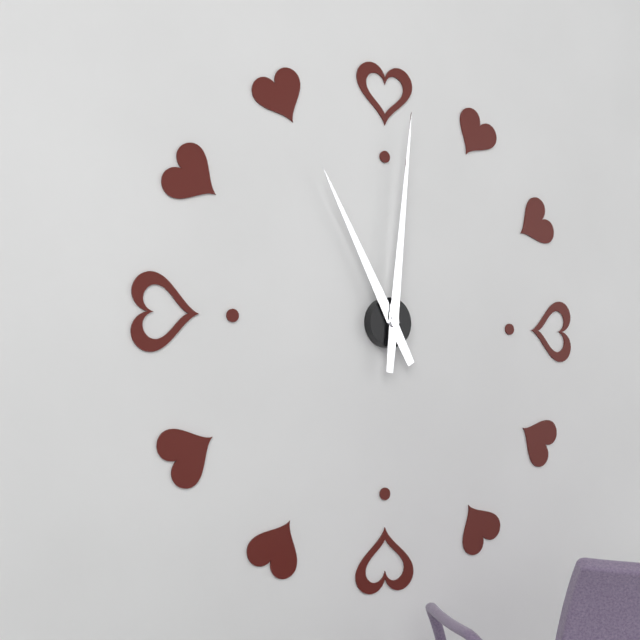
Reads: h=11 m=1
